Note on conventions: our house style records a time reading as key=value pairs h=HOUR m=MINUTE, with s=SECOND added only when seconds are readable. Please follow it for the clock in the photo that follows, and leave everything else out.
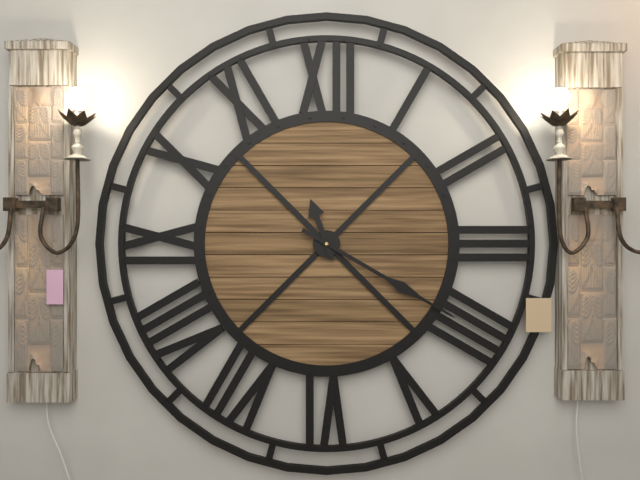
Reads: h=11 m=20
